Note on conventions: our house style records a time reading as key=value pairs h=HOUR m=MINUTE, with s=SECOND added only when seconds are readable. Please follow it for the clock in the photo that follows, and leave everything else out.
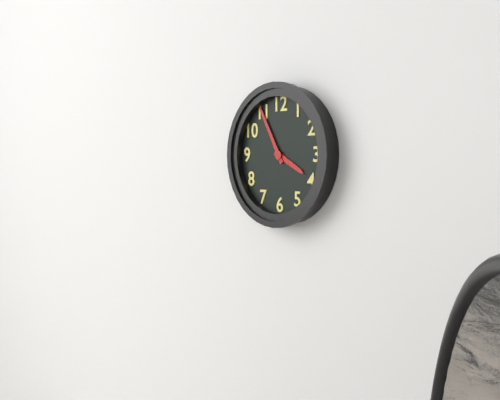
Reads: h=3 m=55
